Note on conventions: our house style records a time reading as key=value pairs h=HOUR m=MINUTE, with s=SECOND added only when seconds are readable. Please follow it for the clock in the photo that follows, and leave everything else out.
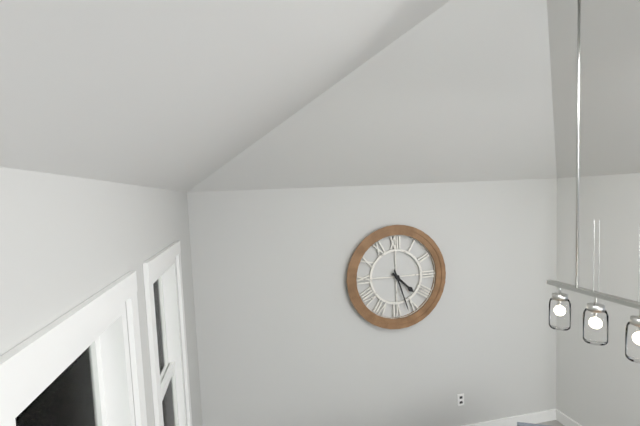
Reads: h=4 m=27
